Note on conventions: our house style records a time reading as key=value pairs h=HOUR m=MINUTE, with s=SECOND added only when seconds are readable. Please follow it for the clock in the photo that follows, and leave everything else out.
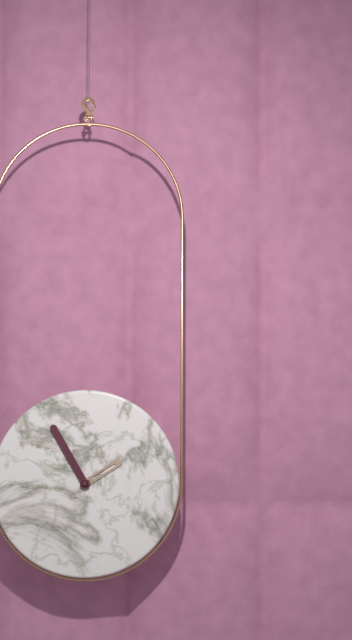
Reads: h=1 m=55
